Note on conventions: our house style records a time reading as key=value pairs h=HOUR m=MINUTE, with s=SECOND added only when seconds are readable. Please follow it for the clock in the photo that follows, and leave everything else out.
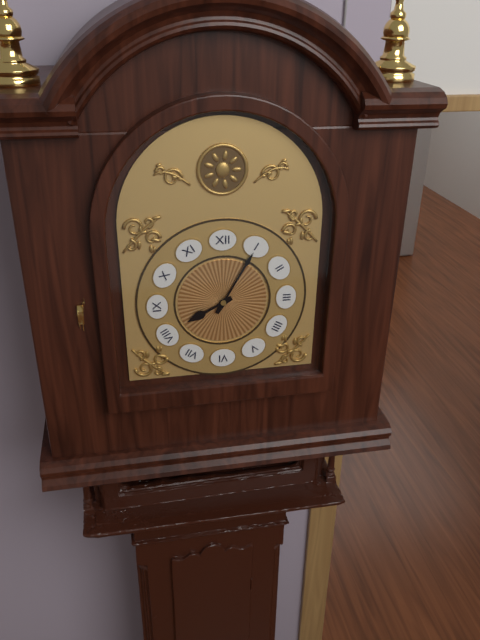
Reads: h=8 m=5
